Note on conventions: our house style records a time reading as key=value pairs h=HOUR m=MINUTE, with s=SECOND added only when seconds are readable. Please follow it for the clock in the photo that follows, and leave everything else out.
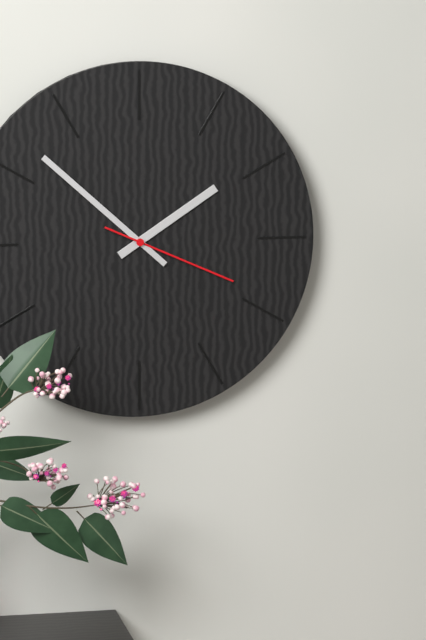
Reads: h=1 m=52 s=19
